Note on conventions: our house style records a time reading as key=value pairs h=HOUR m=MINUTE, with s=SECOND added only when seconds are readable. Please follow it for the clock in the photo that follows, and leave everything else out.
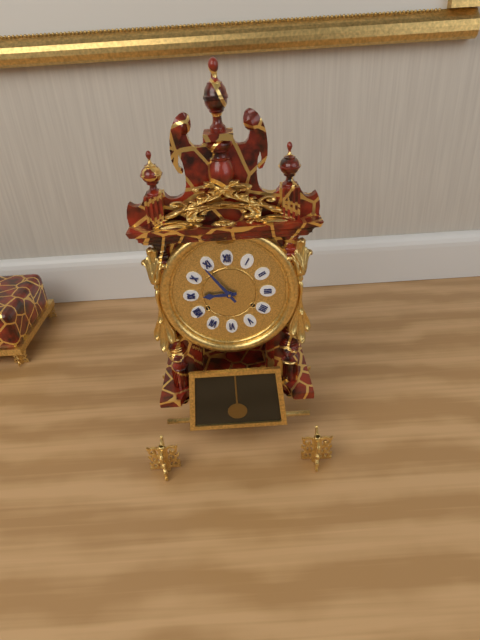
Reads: h=8 m=54
